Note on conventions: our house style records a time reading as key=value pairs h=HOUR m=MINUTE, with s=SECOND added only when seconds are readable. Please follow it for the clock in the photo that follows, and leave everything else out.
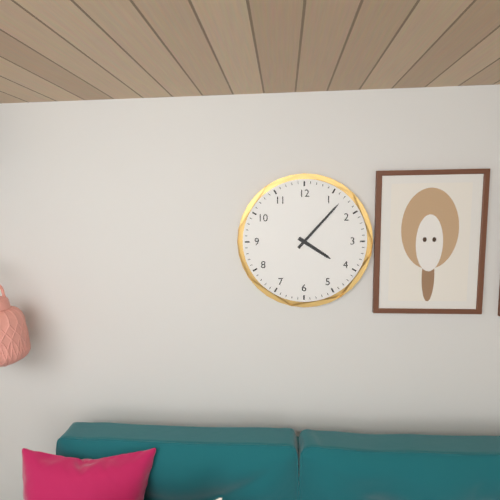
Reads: h=4 m=7
